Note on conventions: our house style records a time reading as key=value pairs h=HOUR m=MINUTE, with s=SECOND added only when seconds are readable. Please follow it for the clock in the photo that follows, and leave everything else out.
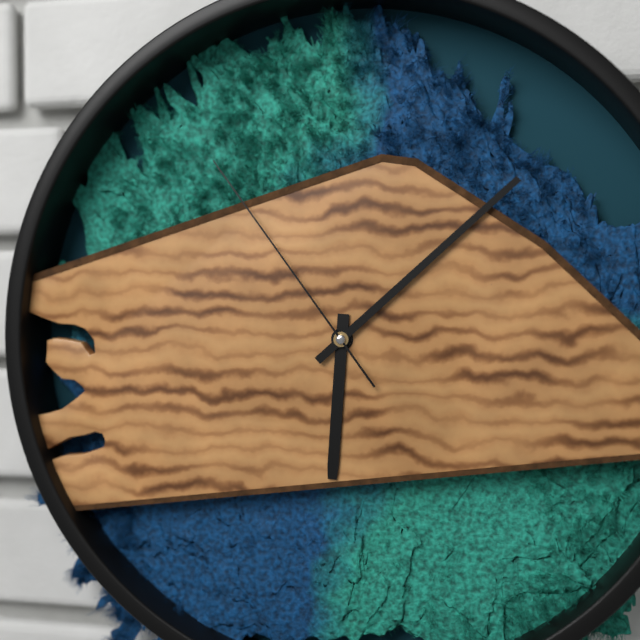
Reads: h=6 m=8 s=54
